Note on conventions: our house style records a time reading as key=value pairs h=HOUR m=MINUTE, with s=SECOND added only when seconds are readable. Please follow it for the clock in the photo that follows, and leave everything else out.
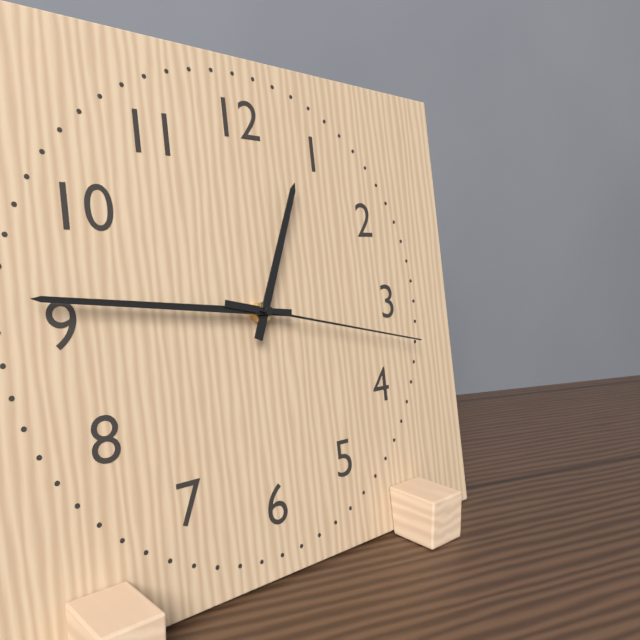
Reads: h=12 m=46 s=17
